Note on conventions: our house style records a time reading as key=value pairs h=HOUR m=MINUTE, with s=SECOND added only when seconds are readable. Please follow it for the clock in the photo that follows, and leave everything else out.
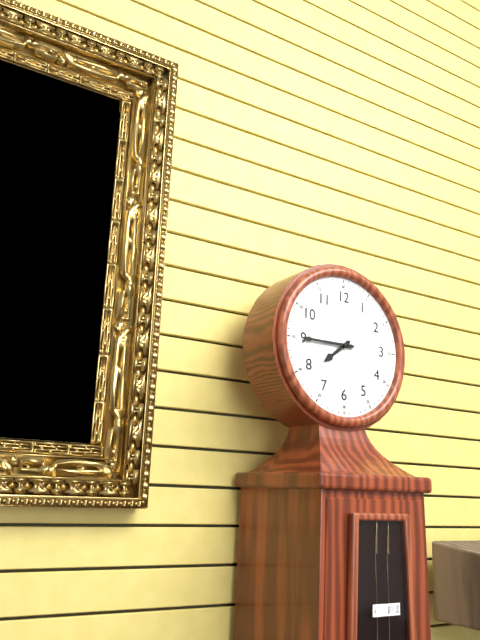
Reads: h=7 m=45
